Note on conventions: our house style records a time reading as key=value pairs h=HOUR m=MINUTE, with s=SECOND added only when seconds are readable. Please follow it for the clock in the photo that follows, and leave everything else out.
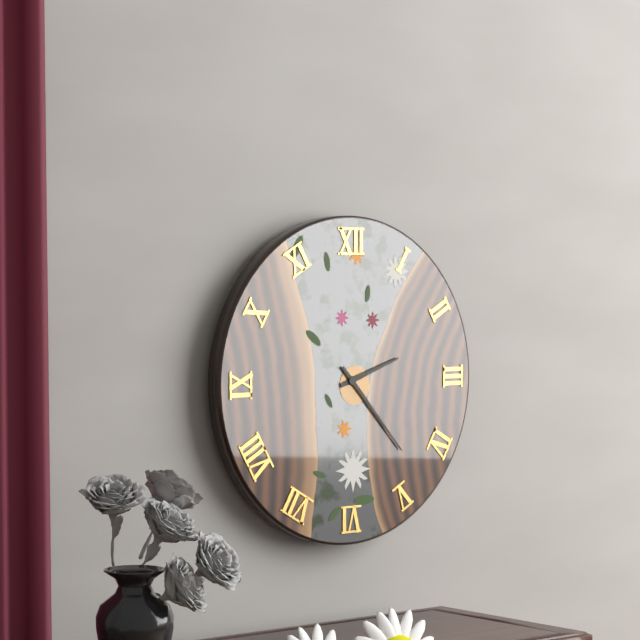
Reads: h=2 m=23
